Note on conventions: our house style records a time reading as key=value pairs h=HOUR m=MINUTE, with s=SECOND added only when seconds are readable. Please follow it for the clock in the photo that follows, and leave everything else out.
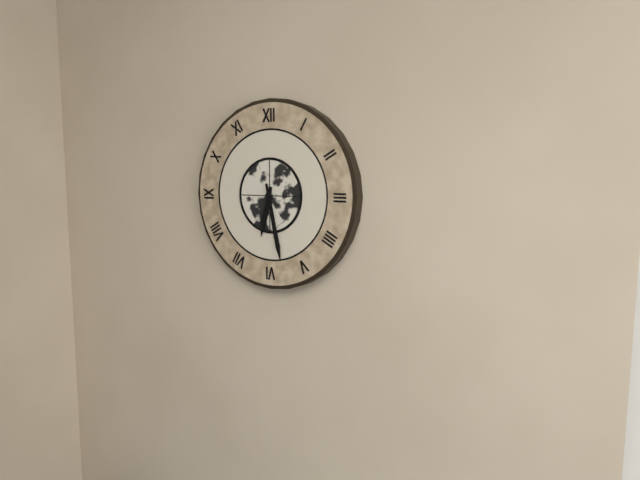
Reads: h=6 m=28
